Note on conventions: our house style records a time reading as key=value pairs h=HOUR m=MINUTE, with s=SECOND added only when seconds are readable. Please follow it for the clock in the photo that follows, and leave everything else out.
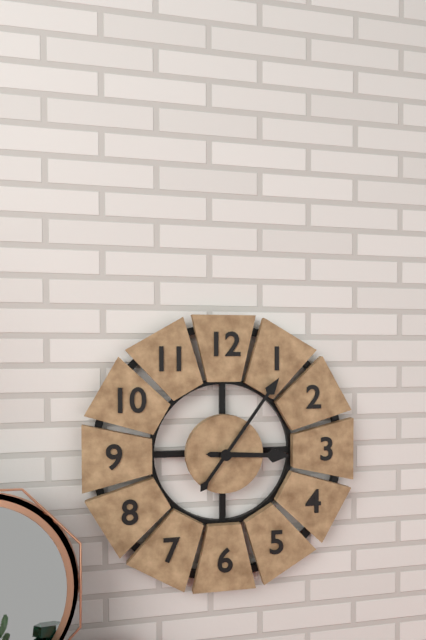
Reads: h=3 m=6
